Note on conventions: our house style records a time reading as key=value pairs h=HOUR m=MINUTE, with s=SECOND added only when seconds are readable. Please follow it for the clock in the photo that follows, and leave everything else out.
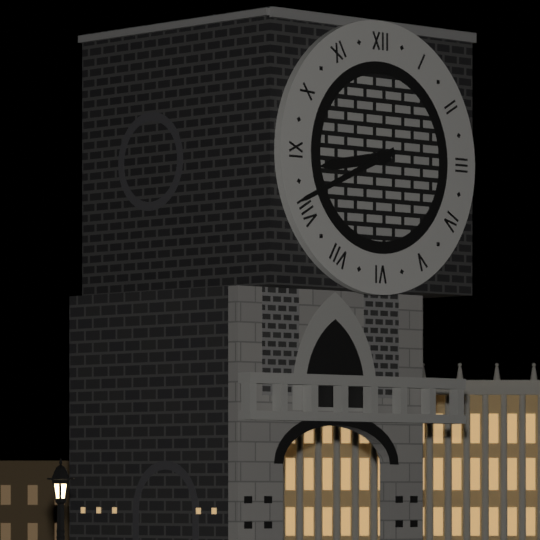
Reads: h=8 m=41
